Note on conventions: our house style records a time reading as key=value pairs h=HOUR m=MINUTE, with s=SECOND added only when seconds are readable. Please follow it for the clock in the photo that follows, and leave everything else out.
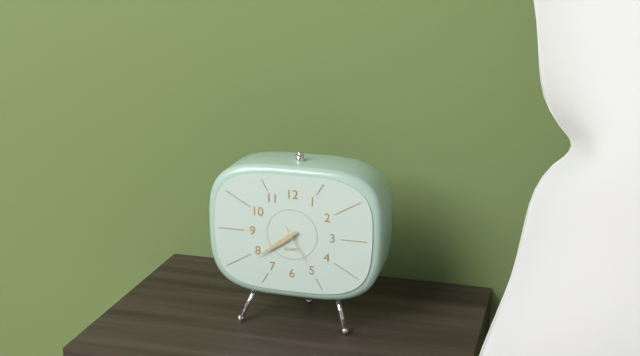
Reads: h=7 m=39
